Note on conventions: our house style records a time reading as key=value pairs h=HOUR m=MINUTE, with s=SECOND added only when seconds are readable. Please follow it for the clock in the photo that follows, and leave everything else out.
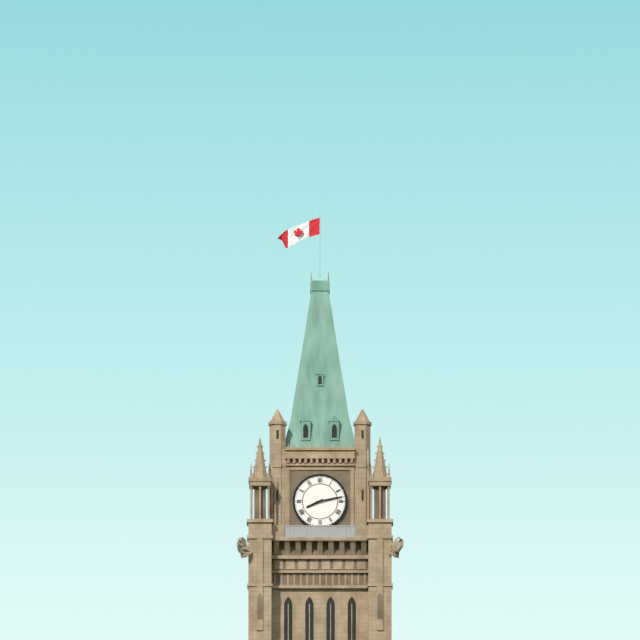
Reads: h=8 m=13
